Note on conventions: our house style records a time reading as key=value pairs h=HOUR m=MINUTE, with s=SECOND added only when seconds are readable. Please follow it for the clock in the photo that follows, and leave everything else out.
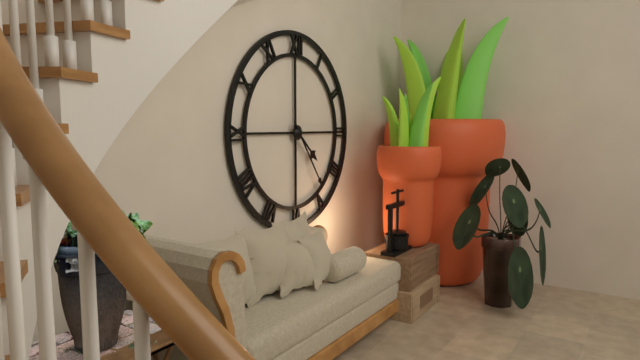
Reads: h=4 m=24
